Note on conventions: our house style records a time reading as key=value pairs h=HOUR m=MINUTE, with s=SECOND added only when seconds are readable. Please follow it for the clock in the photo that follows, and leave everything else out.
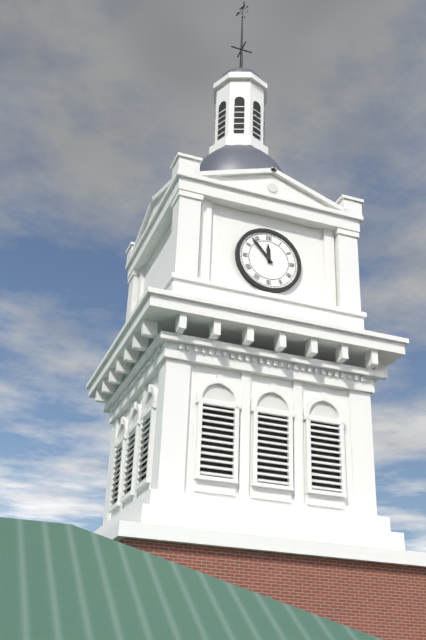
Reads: h=11 m=53
